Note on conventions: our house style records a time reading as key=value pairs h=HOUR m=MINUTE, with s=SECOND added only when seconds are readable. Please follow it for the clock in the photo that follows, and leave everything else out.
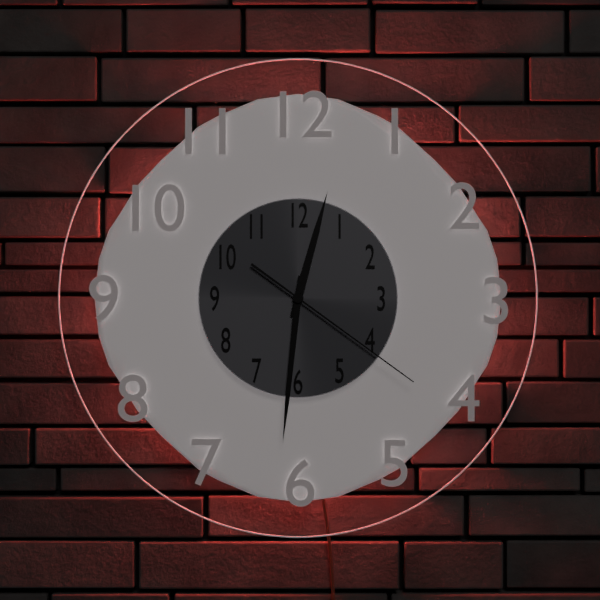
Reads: h=12 m=31 s=21
